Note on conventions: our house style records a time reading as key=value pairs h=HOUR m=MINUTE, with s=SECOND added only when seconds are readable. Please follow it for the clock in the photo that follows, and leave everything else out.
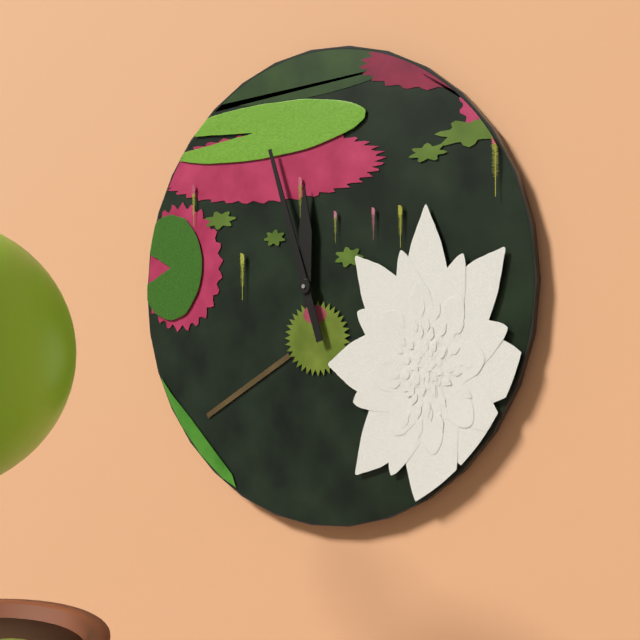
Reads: h=11 m=57
